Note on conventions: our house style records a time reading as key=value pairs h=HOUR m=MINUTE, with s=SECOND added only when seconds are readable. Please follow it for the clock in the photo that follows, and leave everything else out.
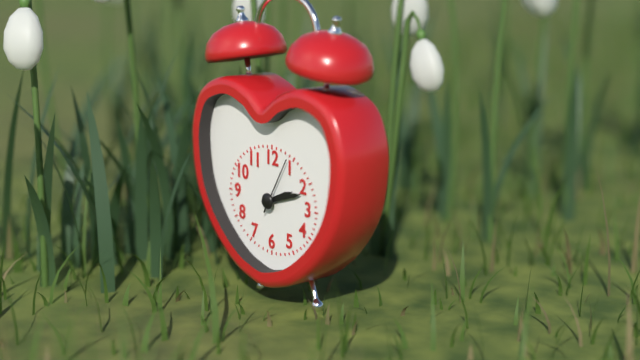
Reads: h=2 m=12 s=5
